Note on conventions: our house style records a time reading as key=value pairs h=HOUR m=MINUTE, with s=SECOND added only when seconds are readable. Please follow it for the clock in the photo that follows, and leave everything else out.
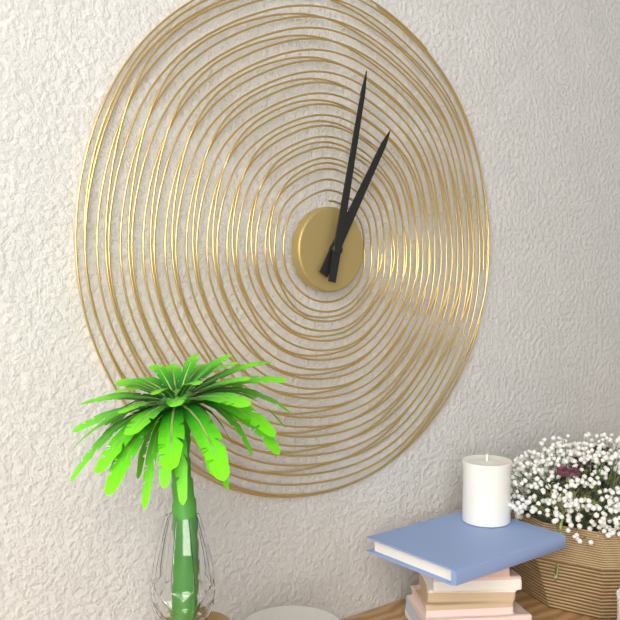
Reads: h=1 m=2
